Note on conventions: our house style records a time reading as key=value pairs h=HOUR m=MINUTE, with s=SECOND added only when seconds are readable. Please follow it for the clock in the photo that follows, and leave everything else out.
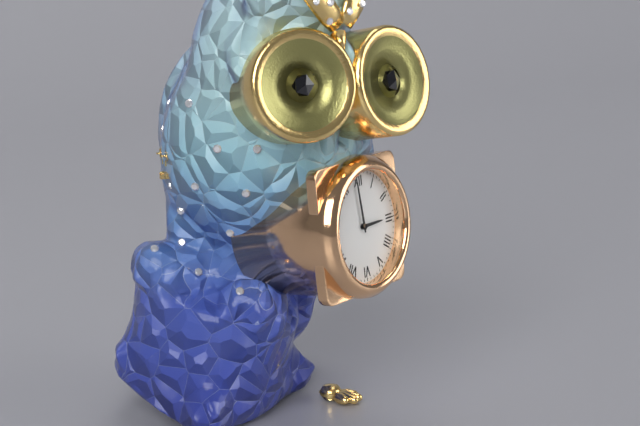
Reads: h=2 m=59
